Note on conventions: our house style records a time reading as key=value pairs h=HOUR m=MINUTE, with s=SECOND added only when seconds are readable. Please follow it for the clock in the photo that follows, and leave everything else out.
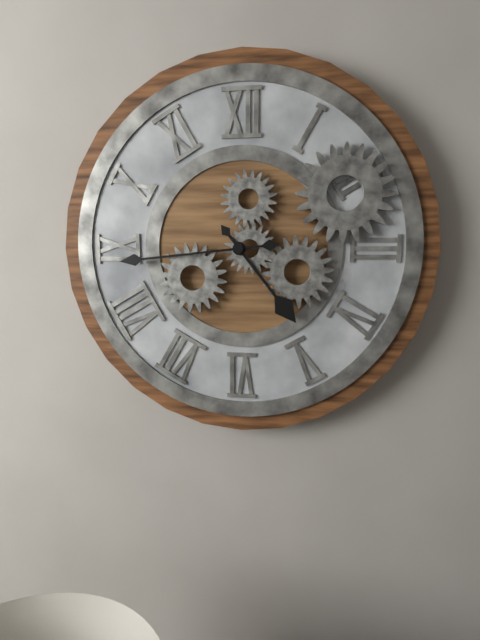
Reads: h=4 m=44
